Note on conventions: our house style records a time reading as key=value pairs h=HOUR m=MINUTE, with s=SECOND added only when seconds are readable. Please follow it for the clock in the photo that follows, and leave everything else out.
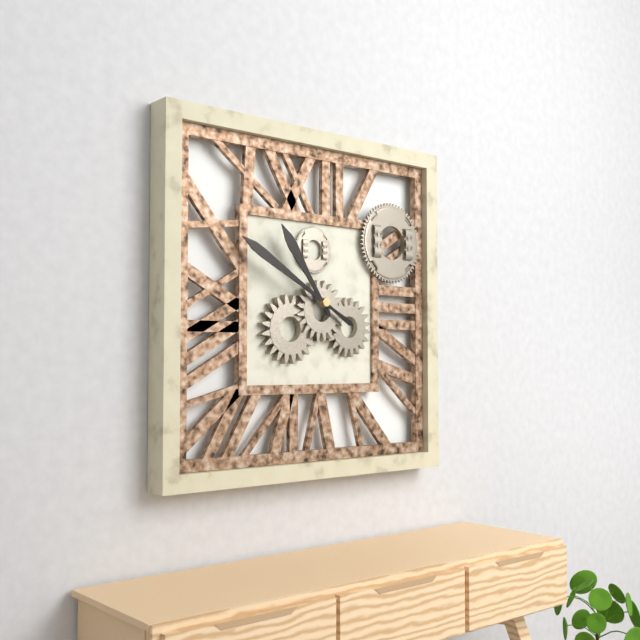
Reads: h=10 m=50
